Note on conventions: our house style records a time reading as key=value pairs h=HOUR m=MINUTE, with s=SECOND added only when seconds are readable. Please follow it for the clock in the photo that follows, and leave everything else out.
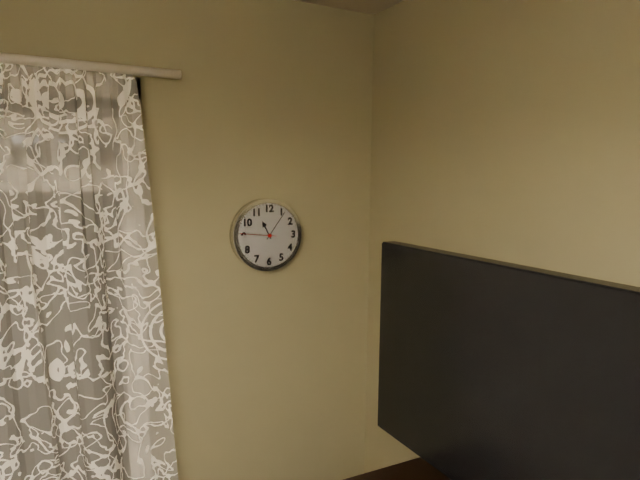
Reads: h=11 m=6
